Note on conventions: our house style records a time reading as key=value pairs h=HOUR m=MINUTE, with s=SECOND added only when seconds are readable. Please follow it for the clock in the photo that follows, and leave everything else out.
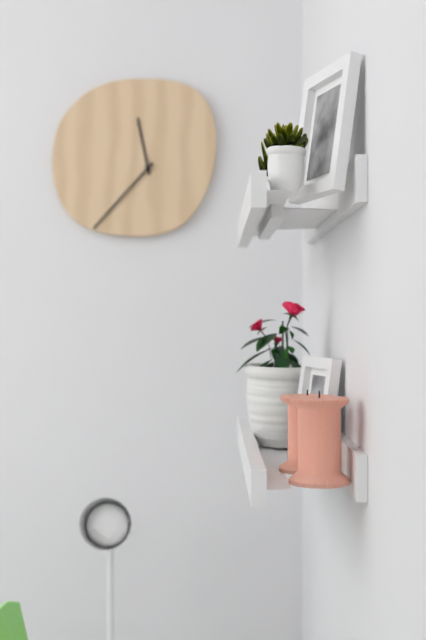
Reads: h=11 m=37
